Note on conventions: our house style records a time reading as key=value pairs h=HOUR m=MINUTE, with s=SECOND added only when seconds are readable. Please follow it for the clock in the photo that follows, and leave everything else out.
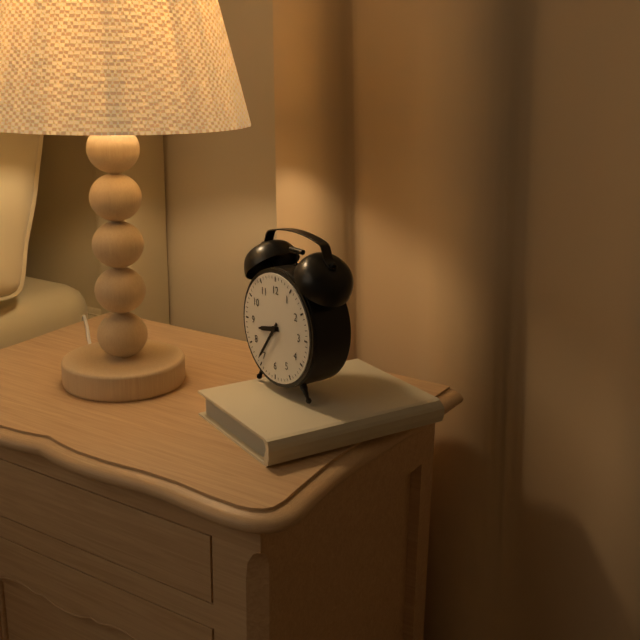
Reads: h=8 m=36
